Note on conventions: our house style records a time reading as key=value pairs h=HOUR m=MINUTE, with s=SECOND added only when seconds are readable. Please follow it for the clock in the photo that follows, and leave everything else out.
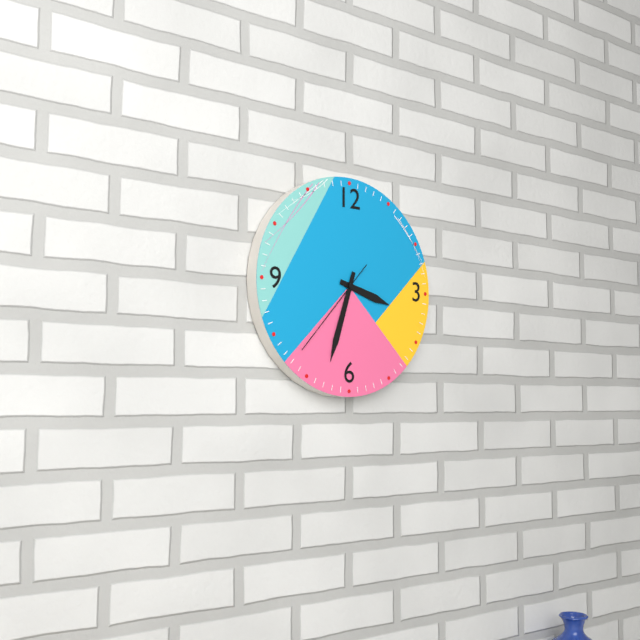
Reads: h=3 m=33 s=37
